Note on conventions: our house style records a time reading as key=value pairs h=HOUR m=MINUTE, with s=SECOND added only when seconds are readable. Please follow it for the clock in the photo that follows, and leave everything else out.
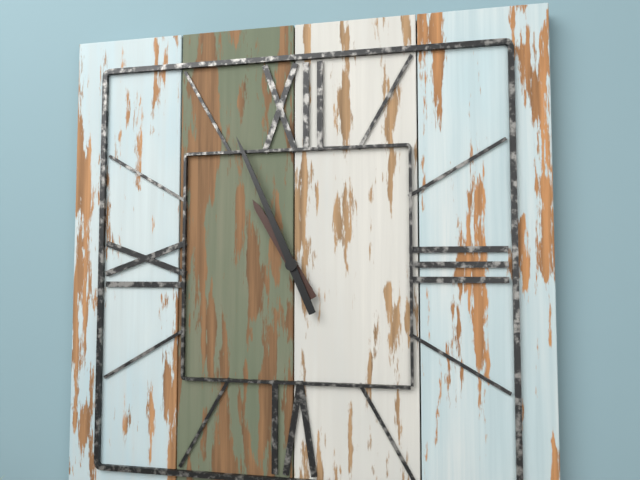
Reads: h=10 m=56
